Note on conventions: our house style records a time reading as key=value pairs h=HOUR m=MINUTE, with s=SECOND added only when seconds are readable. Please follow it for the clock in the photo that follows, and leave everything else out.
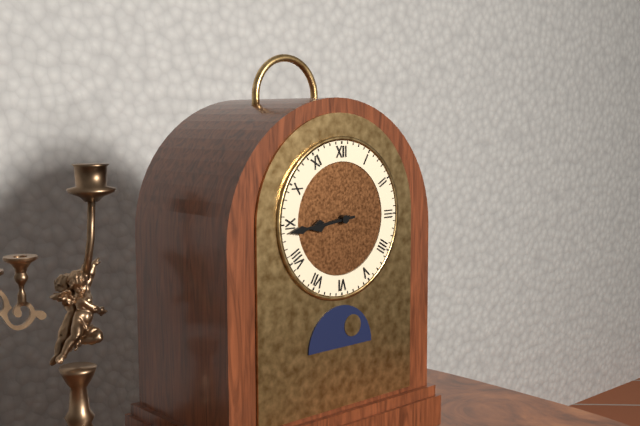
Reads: h=8 m=44
